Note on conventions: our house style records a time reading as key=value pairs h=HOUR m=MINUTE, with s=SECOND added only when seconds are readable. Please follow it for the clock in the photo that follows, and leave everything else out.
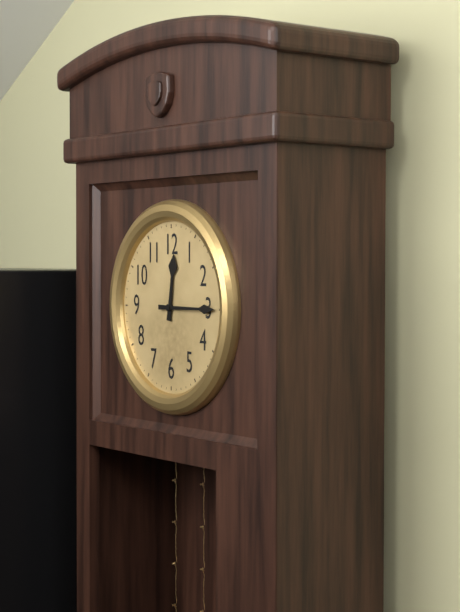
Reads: h=12 m=15
